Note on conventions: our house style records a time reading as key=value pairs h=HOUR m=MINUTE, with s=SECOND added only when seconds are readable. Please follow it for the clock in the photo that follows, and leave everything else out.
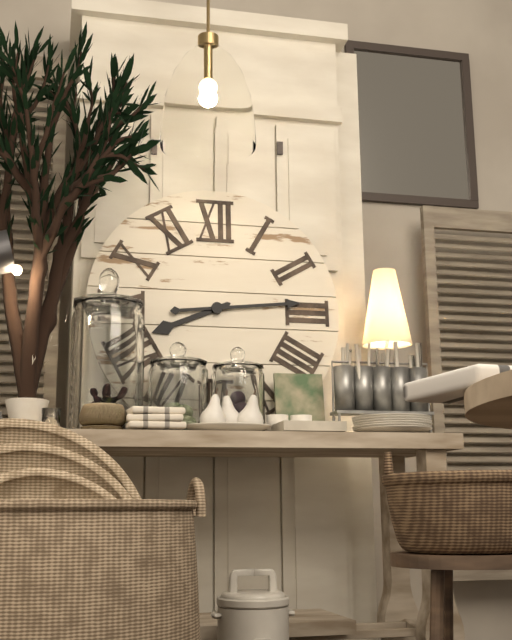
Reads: h=8 m=14
